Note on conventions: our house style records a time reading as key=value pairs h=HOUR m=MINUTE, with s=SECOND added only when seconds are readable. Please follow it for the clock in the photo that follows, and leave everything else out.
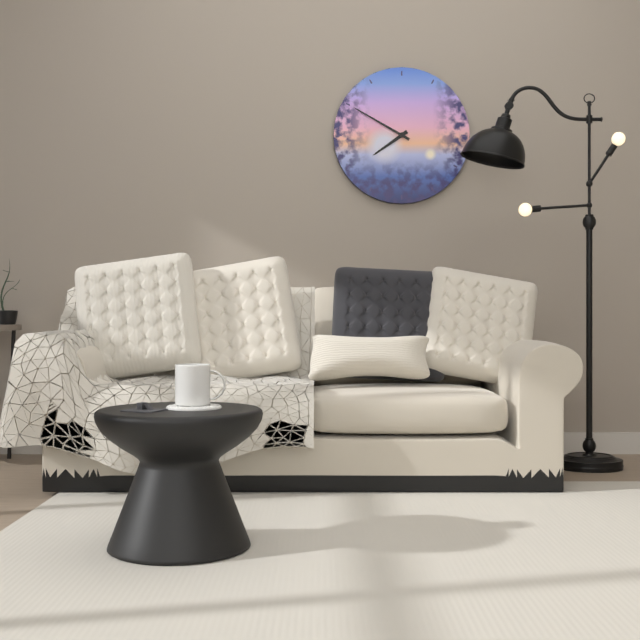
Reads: h=7 m=50
